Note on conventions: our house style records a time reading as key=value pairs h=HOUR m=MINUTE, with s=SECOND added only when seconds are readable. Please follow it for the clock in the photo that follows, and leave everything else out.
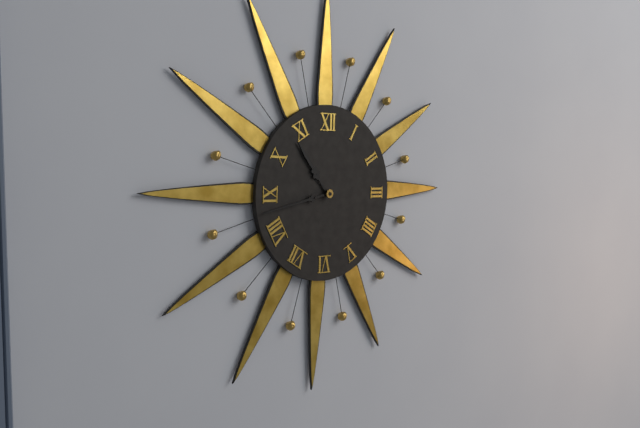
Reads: h=10 m=43
